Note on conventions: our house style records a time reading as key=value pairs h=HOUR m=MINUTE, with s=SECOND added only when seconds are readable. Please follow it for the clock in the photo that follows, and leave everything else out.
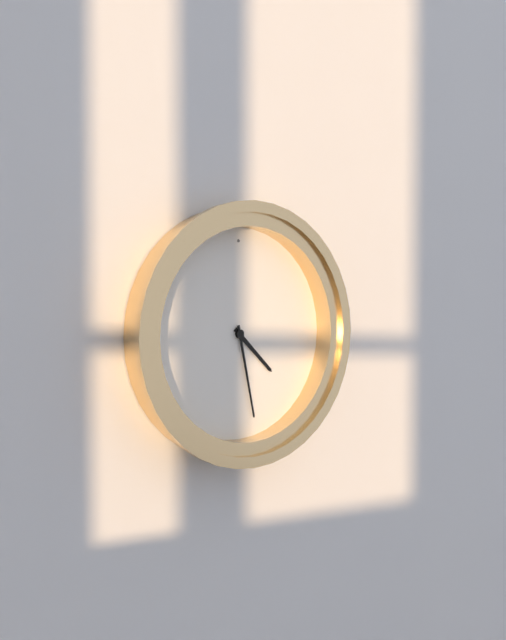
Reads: h=4 m=28
